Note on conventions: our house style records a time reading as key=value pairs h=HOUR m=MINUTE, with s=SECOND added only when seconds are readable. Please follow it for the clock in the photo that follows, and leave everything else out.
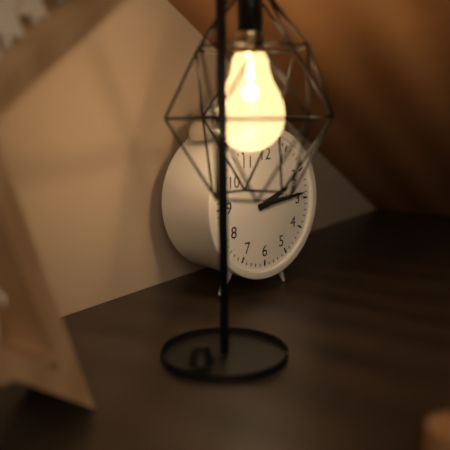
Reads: h=2 m=14
